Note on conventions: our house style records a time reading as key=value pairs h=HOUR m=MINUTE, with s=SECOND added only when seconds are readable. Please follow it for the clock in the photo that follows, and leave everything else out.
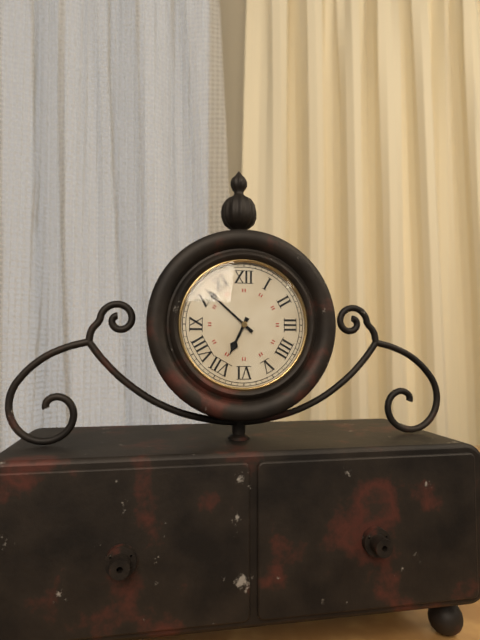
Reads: h=6 m=52
